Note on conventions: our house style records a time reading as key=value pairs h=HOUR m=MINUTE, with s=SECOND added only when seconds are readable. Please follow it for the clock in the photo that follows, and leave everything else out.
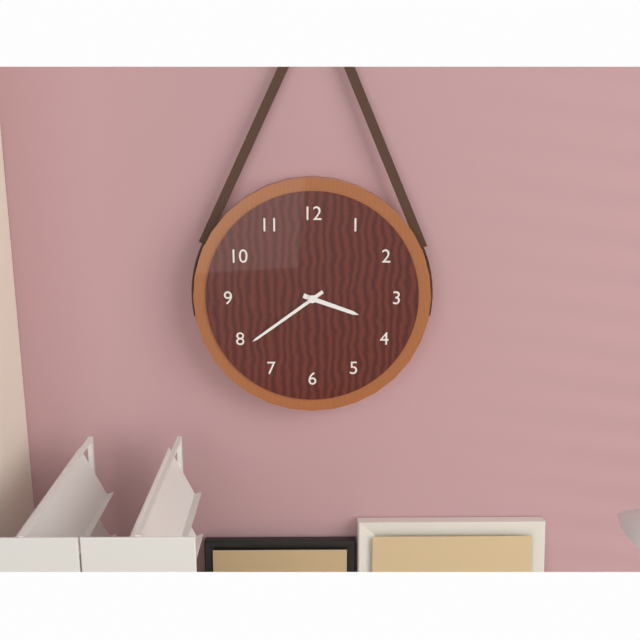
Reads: h=3 m=39
